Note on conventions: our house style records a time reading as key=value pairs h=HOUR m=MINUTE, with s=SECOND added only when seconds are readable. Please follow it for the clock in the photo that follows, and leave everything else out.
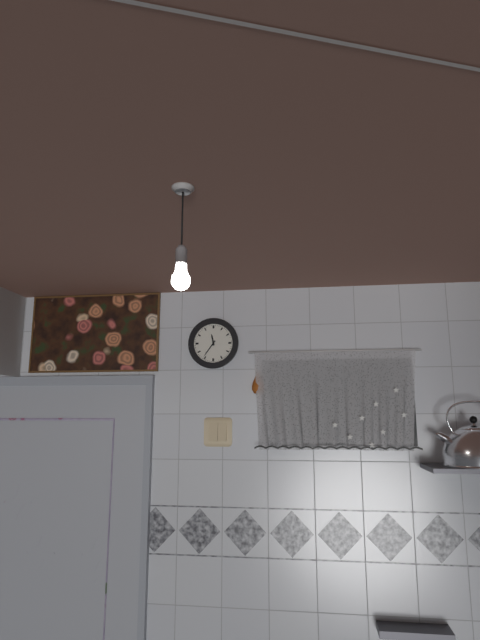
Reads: h=11 m=36
